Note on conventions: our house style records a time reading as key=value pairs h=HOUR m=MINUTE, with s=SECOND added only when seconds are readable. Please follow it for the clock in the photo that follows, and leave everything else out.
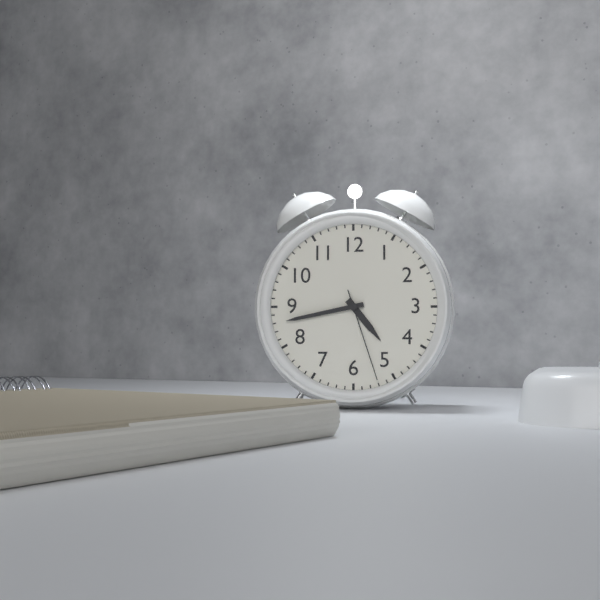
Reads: h=4 m=43 s=27
